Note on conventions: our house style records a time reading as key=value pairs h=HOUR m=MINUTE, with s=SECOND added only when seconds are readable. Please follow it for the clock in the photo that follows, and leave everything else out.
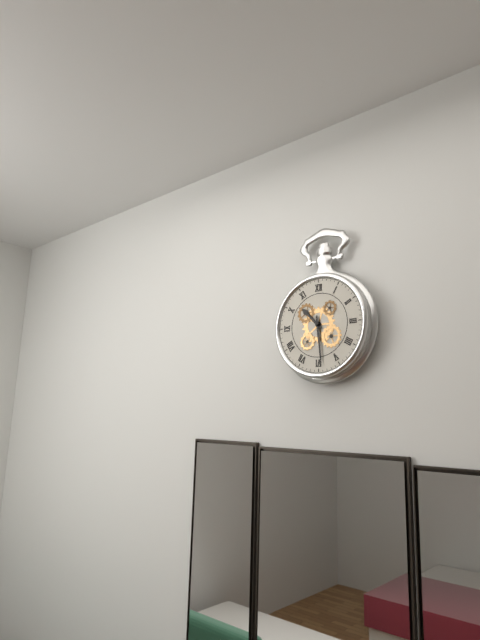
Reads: h=10 m=29
